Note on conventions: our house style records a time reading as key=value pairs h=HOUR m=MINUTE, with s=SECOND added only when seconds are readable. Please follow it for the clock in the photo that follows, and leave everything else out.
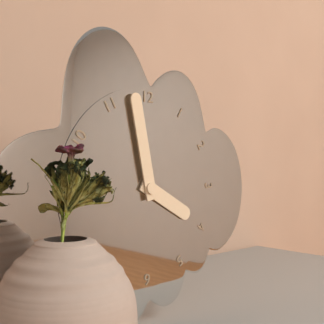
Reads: h=3 m=58
